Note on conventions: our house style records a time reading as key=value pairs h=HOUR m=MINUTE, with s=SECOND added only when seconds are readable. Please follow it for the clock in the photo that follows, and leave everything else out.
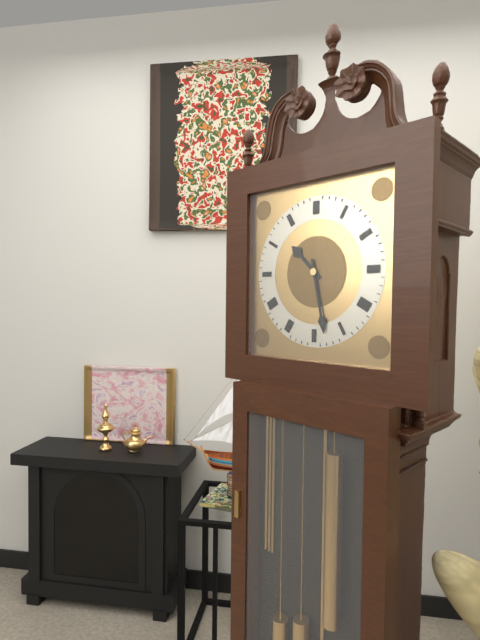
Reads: h=10 m=28
